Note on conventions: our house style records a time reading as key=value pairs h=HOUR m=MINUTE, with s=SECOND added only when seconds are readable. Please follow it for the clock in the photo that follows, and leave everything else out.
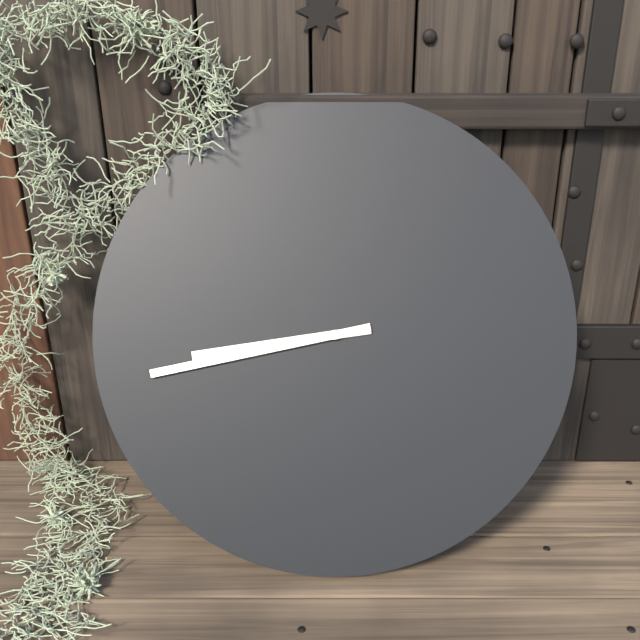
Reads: h=8 m=43
